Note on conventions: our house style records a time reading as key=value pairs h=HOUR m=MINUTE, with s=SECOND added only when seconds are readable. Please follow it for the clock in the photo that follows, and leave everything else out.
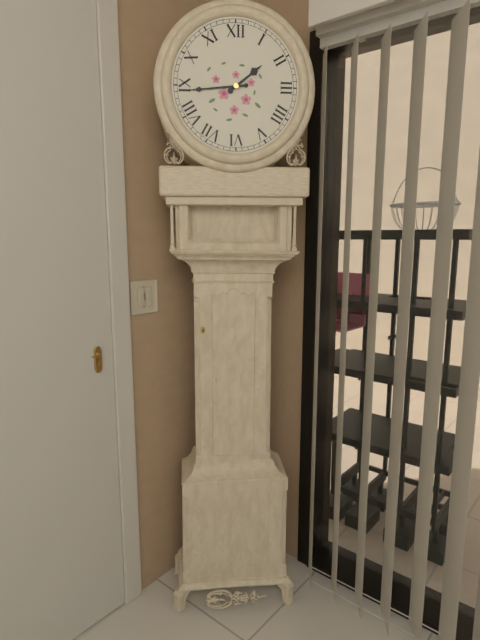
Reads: h=1 m=44
